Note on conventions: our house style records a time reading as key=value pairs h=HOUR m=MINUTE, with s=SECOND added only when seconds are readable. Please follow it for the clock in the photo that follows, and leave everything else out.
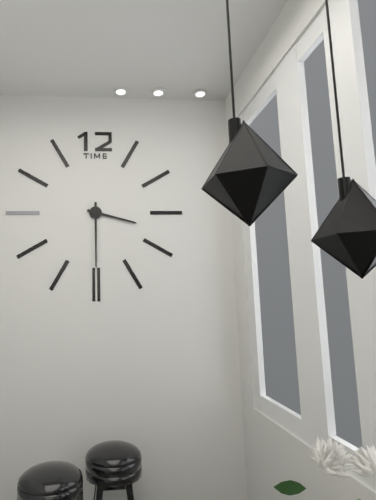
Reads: h=3 m=30
